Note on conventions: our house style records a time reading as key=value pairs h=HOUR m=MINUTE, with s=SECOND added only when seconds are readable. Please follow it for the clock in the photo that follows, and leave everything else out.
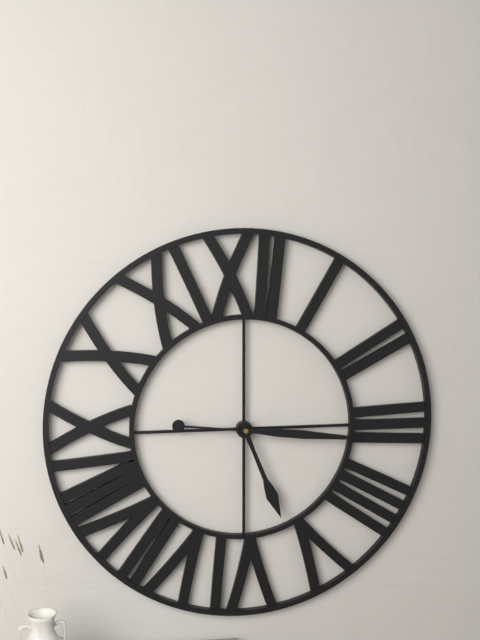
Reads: h=5 m=16
